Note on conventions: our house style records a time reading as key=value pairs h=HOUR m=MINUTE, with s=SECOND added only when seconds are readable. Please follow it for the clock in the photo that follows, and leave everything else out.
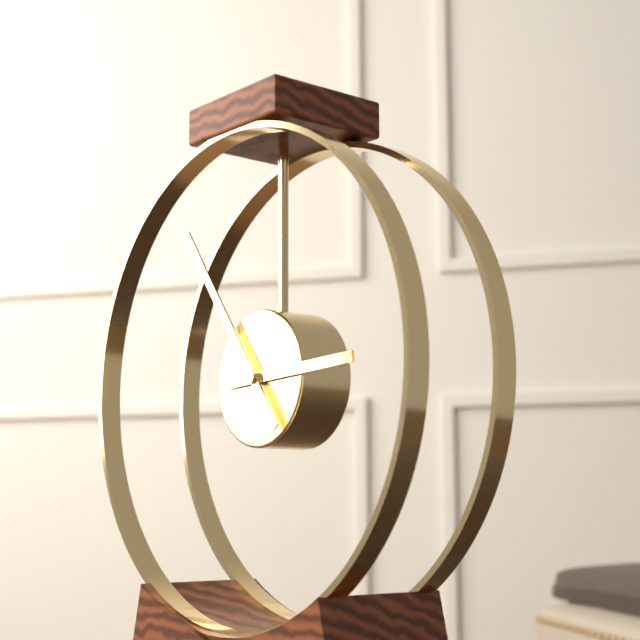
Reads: h=2 m=54
